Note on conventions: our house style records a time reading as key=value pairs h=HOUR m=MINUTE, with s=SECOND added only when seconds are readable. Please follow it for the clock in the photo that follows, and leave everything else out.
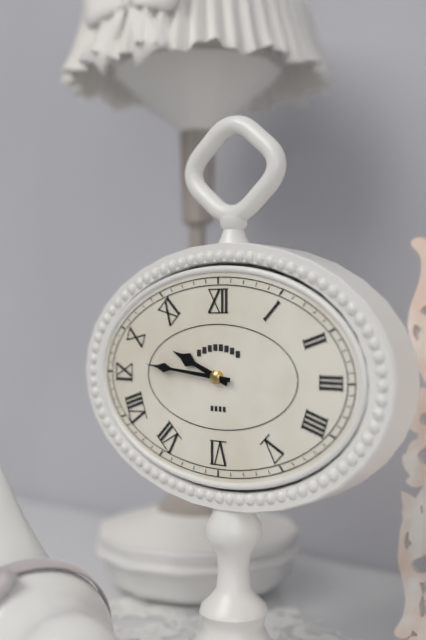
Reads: h=9 m=46
